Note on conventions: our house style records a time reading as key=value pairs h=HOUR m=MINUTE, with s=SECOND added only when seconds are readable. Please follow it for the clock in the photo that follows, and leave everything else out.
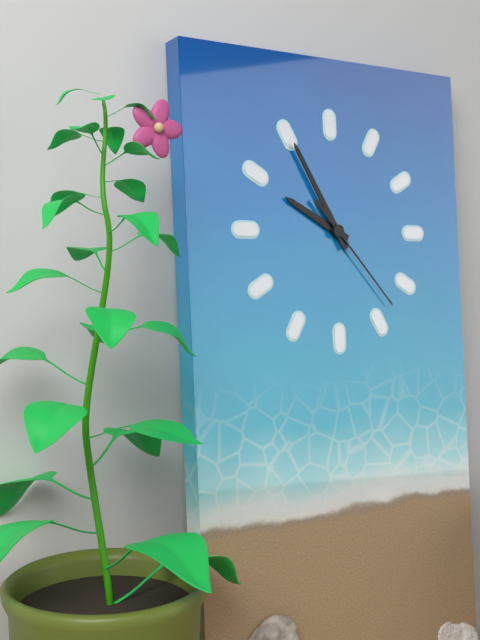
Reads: h=9 m=55 s=23
